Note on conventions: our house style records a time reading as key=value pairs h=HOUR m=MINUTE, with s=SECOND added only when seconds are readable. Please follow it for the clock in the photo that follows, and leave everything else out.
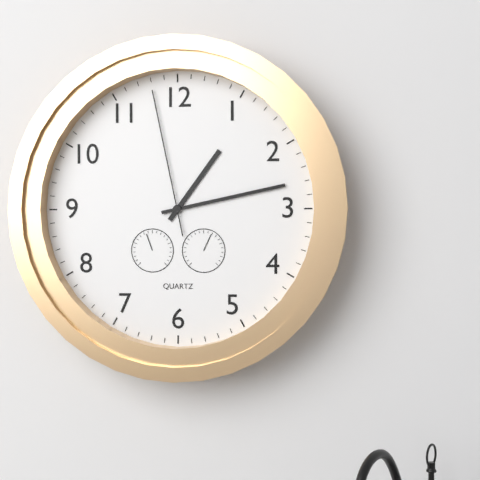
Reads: h=1 m=13 s=58
